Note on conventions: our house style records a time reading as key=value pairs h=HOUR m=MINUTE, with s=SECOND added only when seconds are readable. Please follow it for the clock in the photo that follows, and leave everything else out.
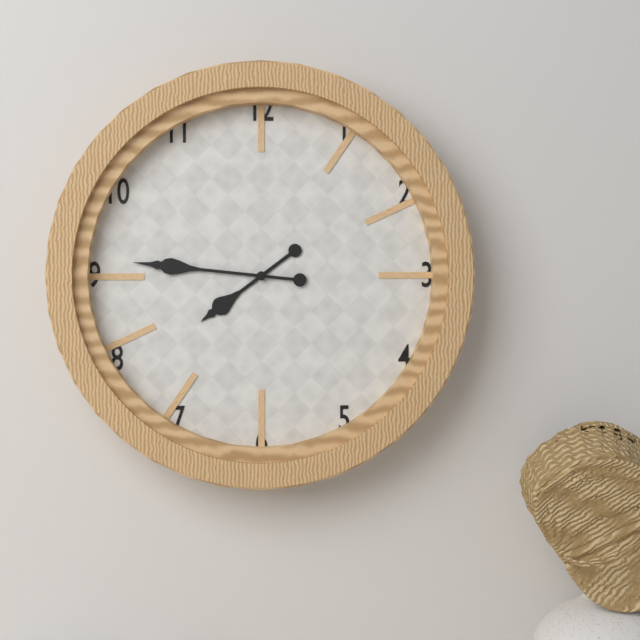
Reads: h=7 m=46
